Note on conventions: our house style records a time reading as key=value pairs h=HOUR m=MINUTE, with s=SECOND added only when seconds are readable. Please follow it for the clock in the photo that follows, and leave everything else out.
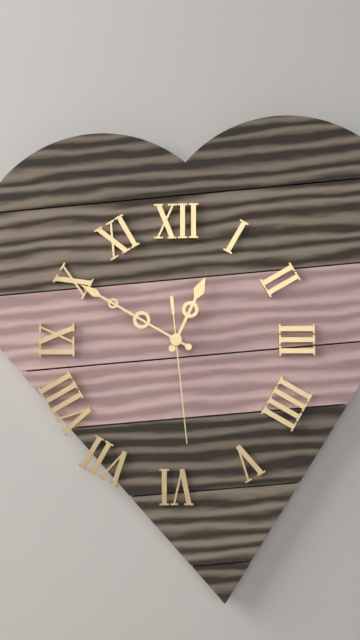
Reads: h=12 m=50 s=29
